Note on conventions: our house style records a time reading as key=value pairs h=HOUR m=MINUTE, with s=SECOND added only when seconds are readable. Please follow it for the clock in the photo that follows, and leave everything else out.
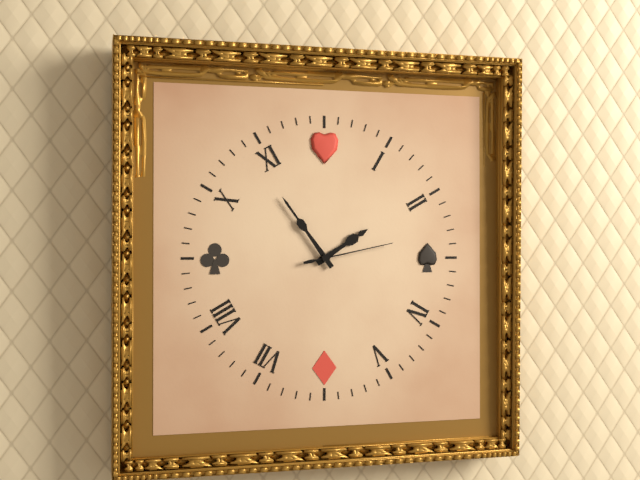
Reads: h=1 m=54 s=13
